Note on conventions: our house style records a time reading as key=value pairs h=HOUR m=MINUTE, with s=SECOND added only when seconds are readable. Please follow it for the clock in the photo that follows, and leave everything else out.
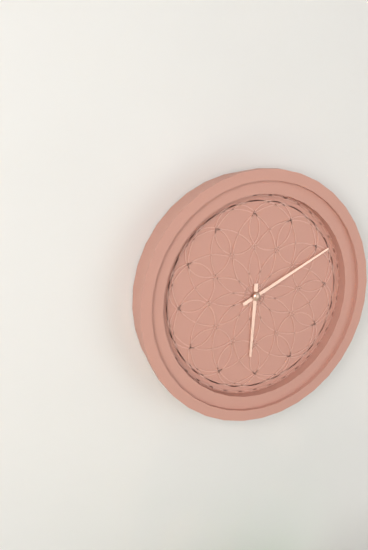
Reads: h=6 m=11
